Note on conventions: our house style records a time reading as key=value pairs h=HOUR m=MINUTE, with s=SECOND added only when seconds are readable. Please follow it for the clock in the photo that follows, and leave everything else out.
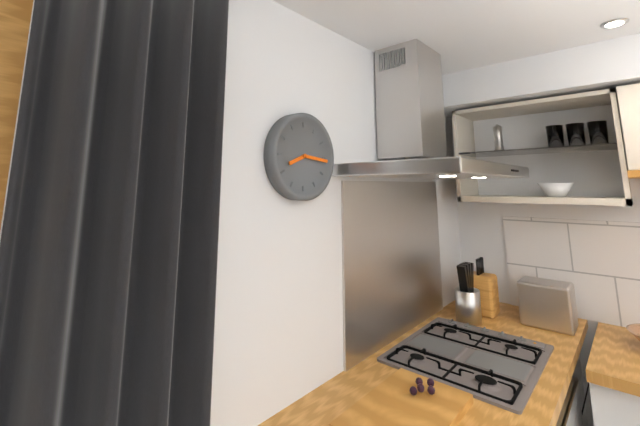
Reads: h=8 m=16
